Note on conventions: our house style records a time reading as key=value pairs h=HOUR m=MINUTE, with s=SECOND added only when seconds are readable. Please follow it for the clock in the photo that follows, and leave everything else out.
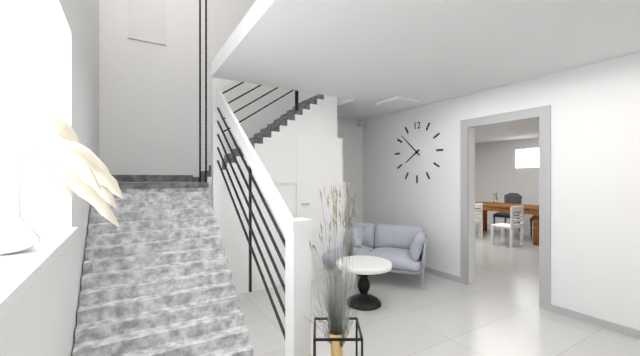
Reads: h=7 m=52
